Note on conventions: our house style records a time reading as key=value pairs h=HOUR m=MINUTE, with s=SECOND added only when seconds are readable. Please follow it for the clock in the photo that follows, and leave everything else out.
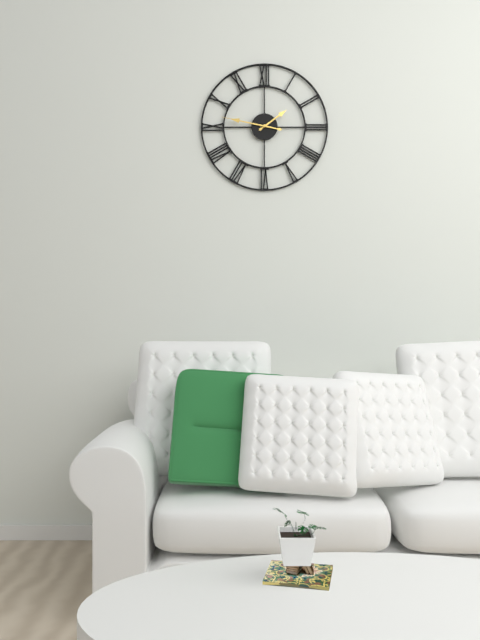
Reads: h=1 m=47
